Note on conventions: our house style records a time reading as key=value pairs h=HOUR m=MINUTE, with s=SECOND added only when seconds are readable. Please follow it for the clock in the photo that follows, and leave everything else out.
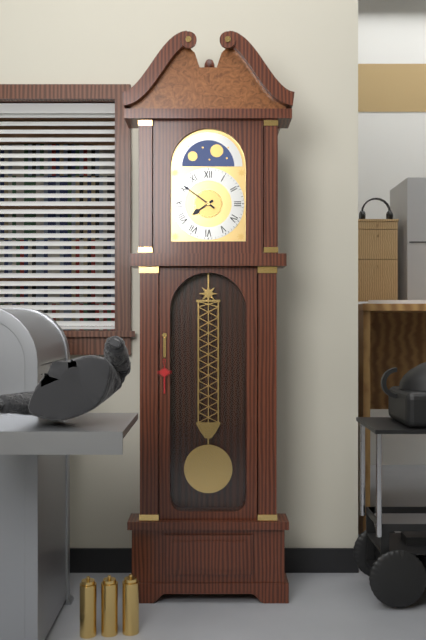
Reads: h=7 m=51
